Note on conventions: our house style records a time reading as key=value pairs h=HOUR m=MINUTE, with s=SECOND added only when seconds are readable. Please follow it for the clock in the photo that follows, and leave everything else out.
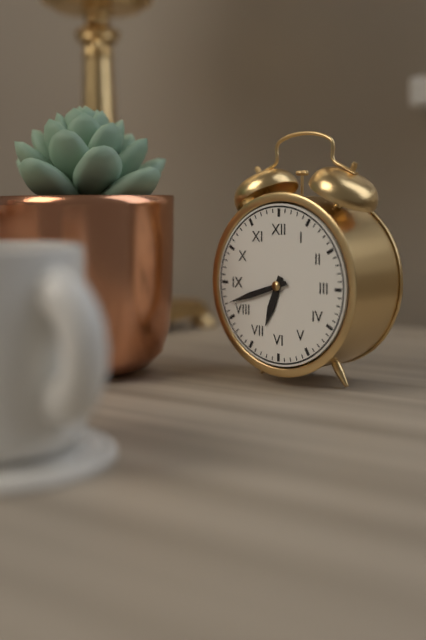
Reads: h=6 m=42
